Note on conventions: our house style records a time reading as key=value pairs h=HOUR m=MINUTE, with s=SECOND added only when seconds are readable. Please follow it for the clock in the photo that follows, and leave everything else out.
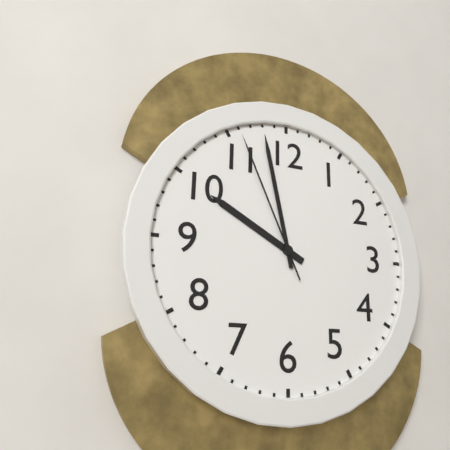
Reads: h=9 m=58 s=56
